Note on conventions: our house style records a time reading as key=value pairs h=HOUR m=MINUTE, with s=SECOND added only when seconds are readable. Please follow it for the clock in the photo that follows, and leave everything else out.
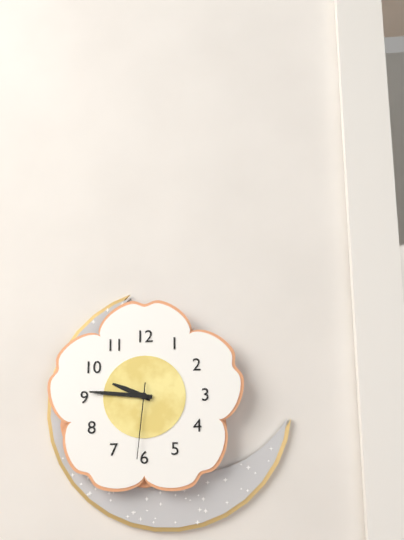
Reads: h=9 m=46 s=31
